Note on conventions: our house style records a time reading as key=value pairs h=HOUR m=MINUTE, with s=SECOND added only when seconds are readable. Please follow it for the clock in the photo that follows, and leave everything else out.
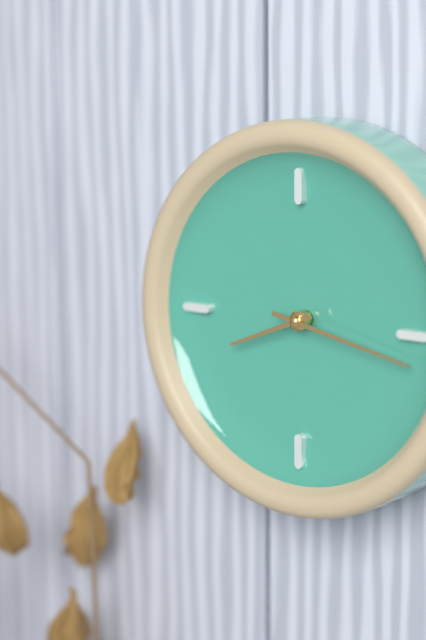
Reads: h=8 m=17
